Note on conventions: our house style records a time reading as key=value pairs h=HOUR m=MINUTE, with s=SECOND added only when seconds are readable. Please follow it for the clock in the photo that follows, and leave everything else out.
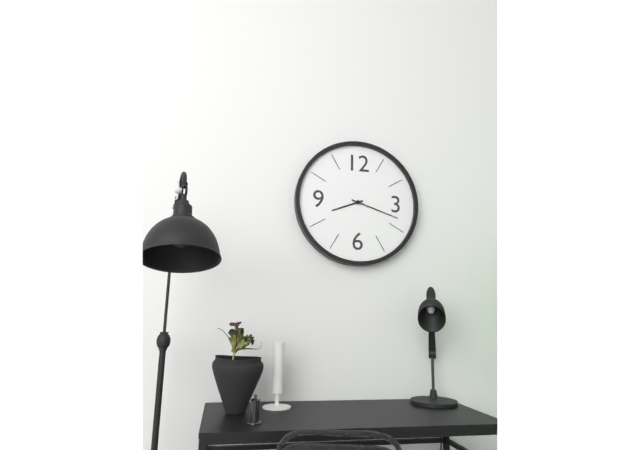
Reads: h=8 m=18
